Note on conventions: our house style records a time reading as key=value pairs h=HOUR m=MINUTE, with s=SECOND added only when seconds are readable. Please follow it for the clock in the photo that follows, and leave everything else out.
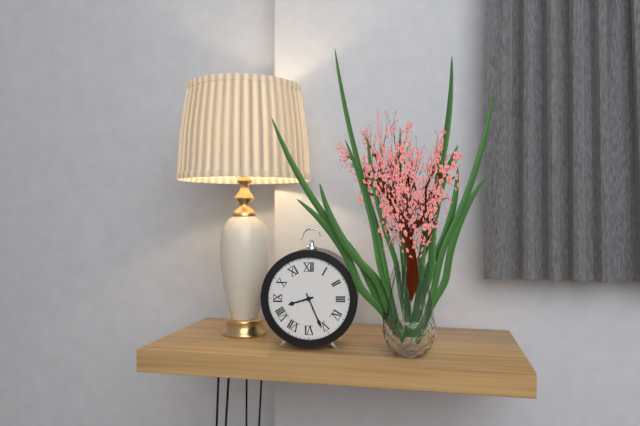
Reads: h=8 m=26
